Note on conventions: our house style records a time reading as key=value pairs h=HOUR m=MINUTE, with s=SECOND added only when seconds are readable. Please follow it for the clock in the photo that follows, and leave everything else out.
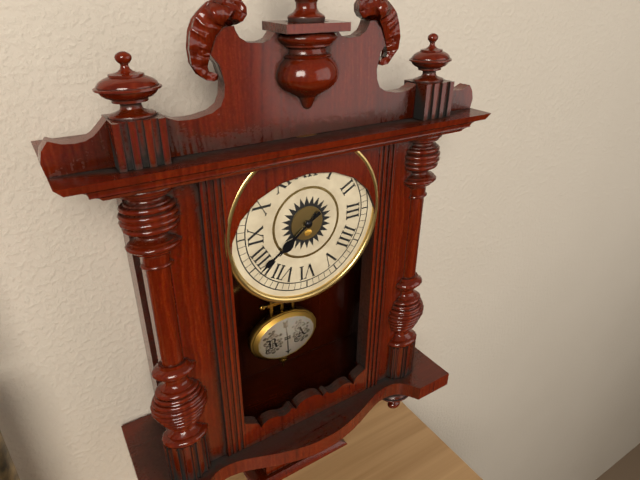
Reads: h=7 m=39
